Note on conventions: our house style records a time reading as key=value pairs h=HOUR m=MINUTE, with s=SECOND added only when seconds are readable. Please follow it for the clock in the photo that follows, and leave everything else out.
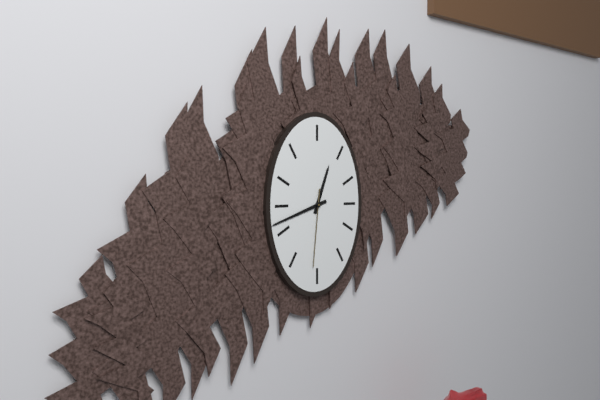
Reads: h=12 m=42 s=31
